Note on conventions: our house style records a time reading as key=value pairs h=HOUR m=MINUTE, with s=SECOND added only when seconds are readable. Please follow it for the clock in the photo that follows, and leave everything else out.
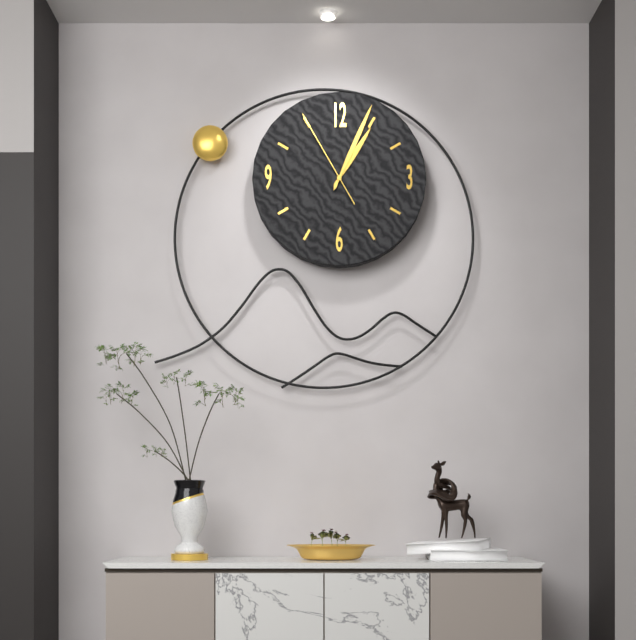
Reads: h=1 m=4 s=55
